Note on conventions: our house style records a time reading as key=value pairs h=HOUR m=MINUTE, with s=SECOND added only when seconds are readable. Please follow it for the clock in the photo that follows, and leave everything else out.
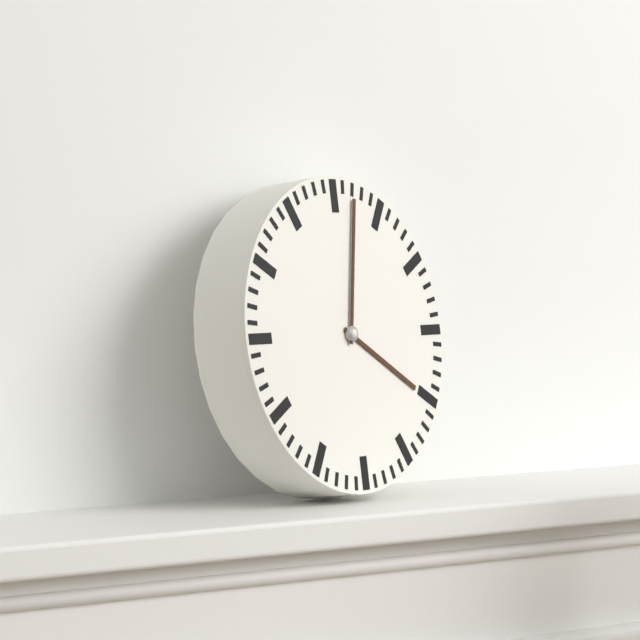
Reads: h=4 m=2
